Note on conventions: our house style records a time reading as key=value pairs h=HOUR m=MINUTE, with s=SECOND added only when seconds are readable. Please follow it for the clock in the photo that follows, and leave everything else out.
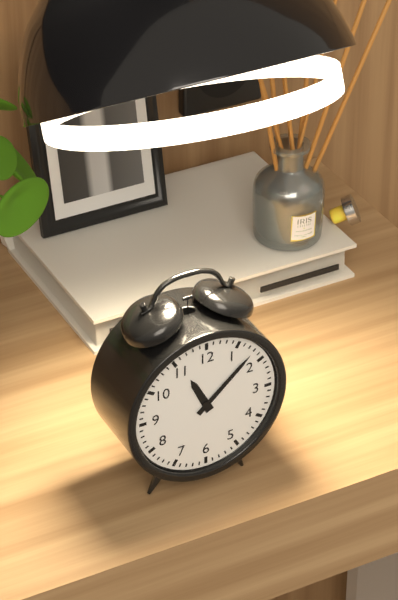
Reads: h=11 m=8
